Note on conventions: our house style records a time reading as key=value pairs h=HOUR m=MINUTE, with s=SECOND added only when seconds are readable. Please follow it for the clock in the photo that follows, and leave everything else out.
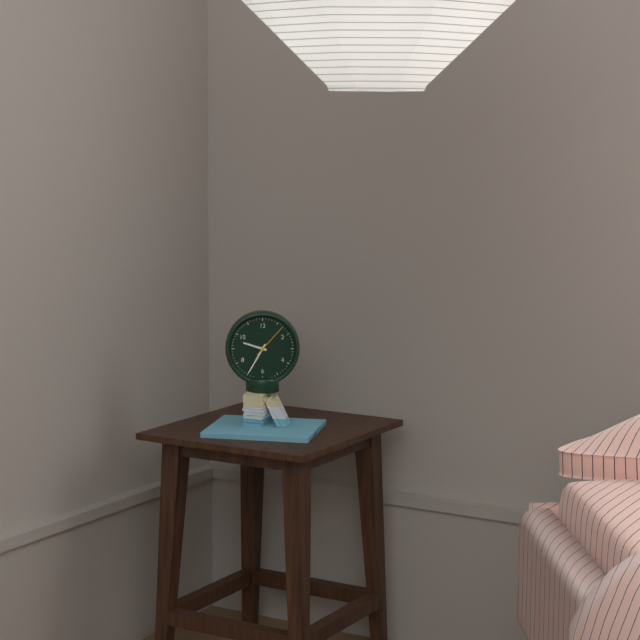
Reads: h=9 m=35
